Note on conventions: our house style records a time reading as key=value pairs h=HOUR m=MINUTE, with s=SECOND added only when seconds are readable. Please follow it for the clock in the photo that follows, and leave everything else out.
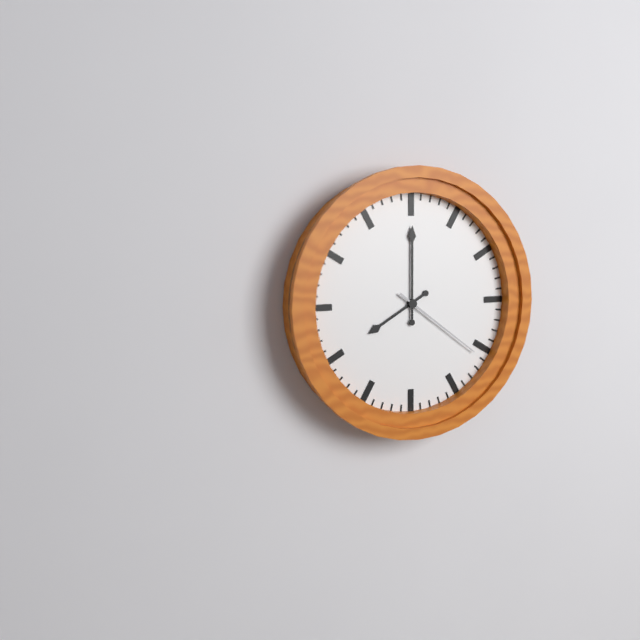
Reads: h=8 m=0 s=21
